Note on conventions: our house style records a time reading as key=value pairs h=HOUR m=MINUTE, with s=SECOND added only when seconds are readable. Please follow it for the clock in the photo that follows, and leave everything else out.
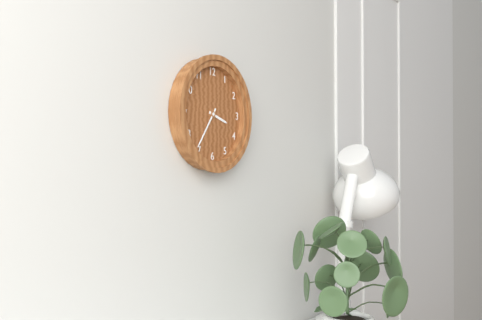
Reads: h=3 m=36
